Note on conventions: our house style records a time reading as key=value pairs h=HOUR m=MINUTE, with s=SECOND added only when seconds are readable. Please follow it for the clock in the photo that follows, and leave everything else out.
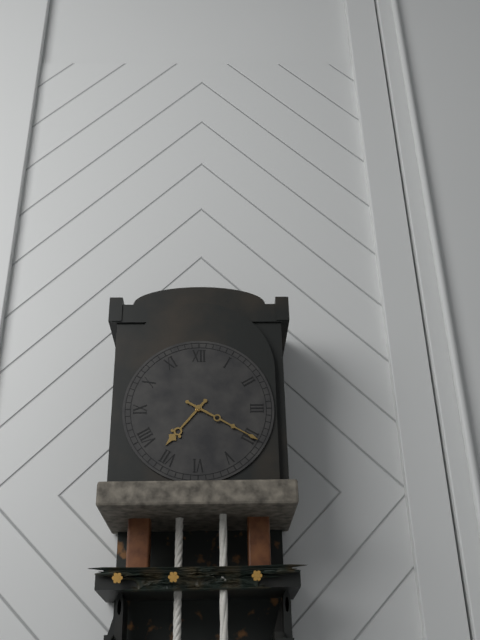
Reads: h=7 m=20
